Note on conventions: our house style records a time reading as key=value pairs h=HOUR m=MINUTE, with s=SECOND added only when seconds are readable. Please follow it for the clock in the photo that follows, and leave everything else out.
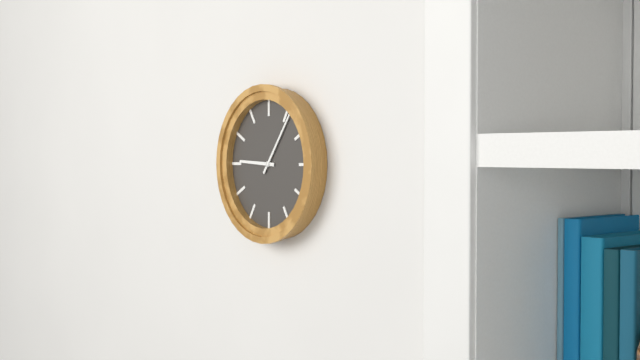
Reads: h=9 m=6
